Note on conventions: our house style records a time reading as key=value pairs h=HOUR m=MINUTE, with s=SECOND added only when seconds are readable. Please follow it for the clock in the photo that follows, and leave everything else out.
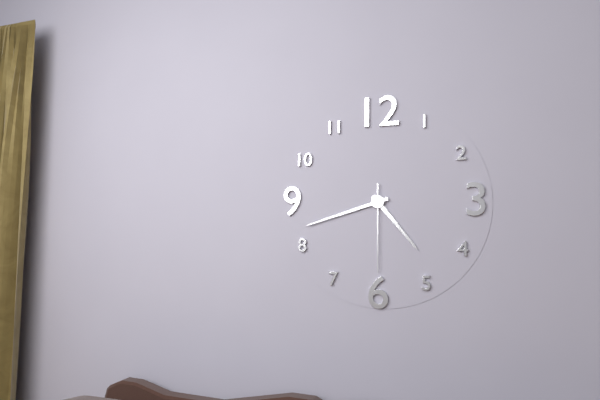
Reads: h=4 m=42 s=30
